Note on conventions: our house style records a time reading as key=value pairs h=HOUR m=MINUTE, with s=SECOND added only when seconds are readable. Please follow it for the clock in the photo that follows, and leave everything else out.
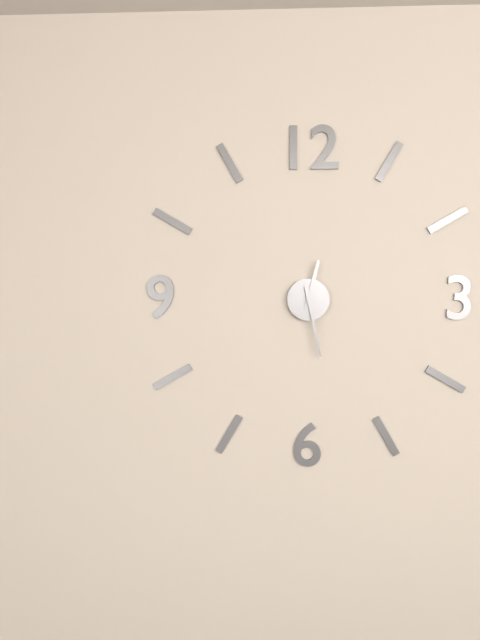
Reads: h=12 m=28
